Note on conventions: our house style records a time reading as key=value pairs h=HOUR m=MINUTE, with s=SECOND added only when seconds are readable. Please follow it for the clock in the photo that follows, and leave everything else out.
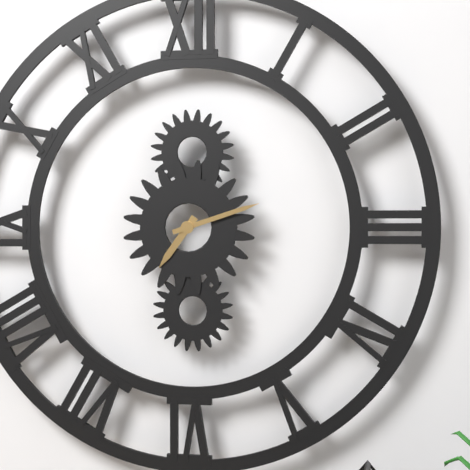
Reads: h=7 m=12
